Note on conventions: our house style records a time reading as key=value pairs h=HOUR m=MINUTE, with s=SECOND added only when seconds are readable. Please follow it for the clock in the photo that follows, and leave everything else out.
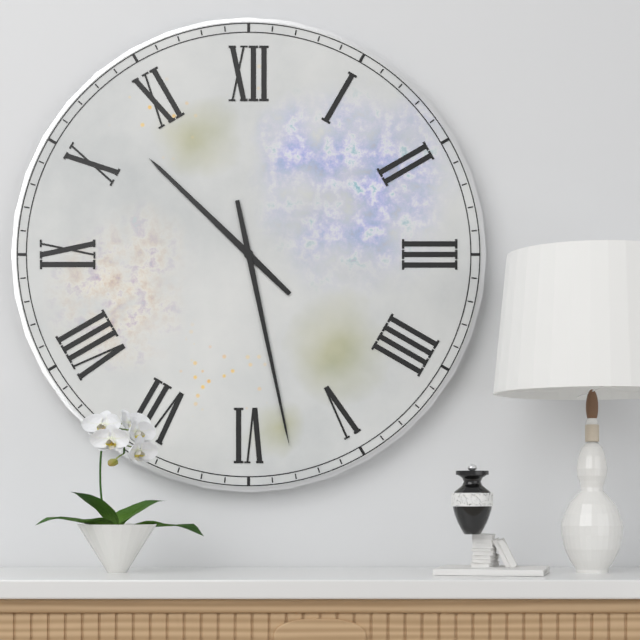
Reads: h=10 m=28
